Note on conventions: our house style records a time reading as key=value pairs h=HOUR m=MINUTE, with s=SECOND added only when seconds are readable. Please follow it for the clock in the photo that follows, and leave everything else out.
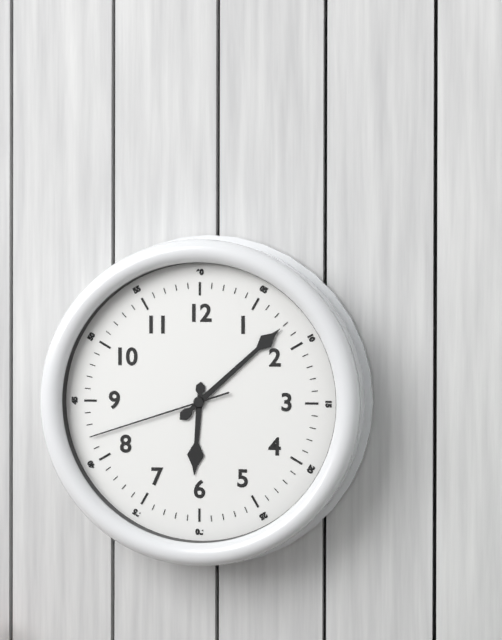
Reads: h=6 m=8 s=42
